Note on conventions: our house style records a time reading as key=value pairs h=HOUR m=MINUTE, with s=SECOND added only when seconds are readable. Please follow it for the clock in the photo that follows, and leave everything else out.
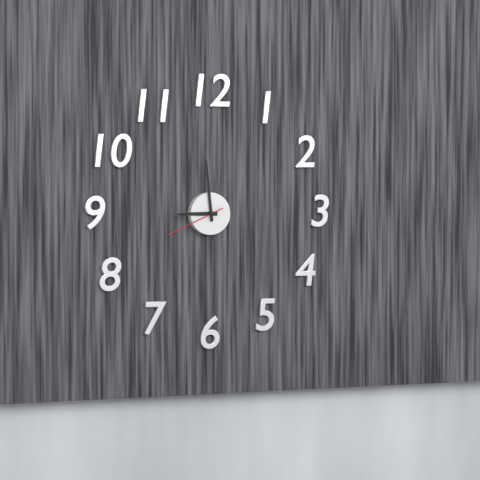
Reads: h=8 m=59 s=41
